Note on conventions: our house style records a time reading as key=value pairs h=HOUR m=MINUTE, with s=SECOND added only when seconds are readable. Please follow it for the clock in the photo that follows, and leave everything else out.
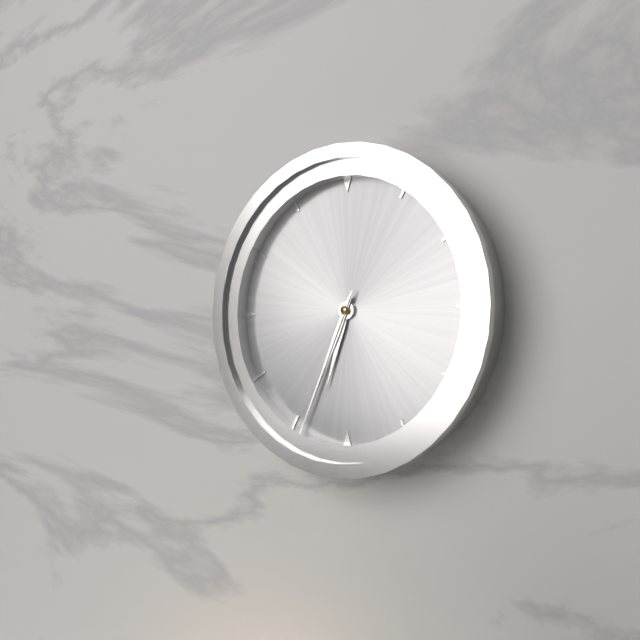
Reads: h=6 m=34 s=34
